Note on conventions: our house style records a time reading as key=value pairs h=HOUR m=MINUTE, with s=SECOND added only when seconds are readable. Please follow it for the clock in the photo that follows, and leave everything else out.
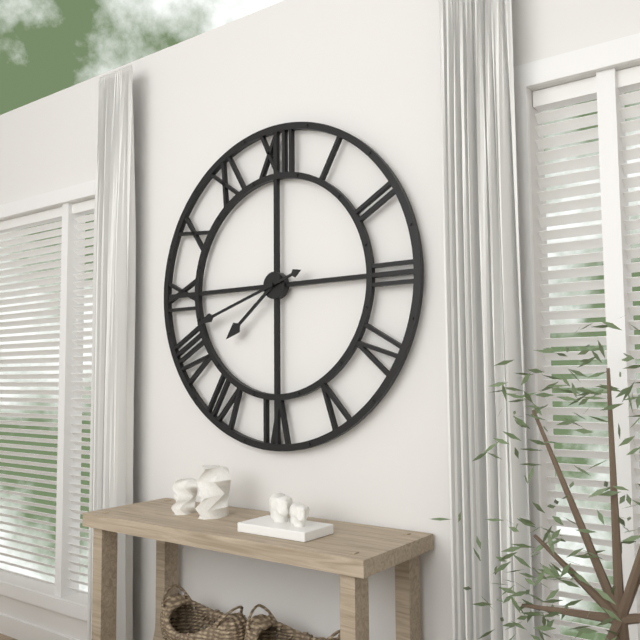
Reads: h=7 m=42
